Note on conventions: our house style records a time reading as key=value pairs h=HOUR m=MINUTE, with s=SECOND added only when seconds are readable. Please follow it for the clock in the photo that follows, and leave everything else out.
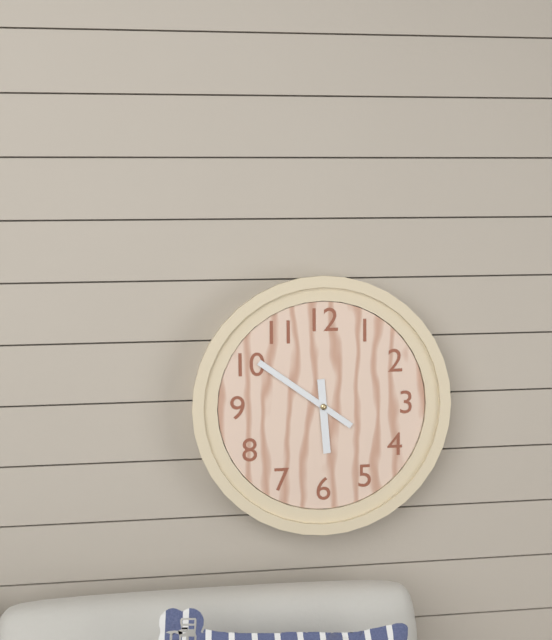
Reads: h=5 m=51
